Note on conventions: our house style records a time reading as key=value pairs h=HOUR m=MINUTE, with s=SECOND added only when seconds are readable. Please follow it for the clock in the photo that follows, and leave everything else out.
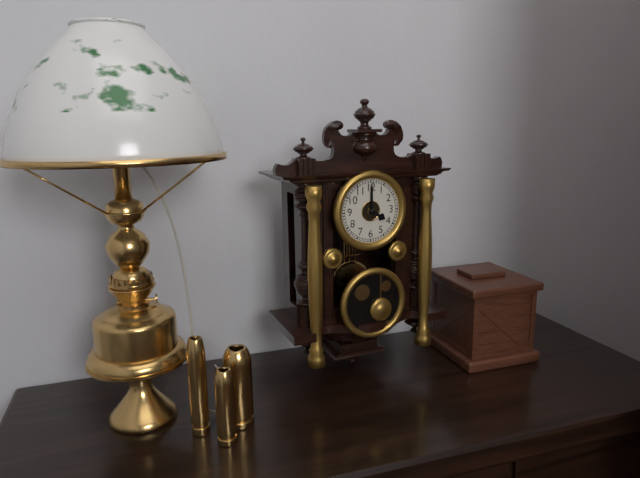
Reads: h=4 m=0
